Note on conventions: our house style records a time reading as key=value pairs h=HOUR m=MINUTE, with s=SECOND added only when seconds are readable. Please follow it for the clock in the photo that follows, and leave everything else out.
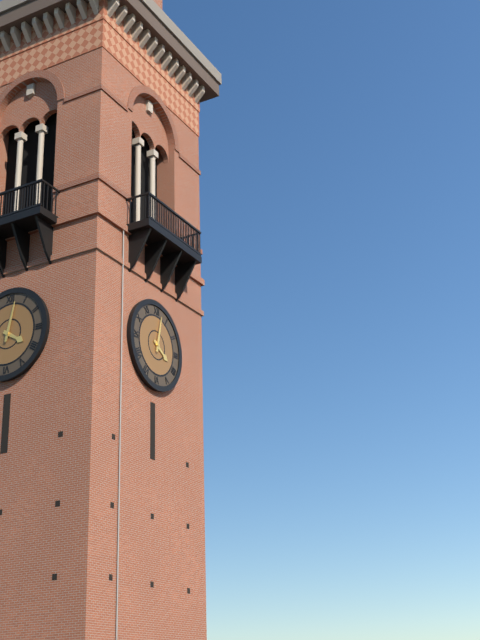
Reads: h=4 m=2
